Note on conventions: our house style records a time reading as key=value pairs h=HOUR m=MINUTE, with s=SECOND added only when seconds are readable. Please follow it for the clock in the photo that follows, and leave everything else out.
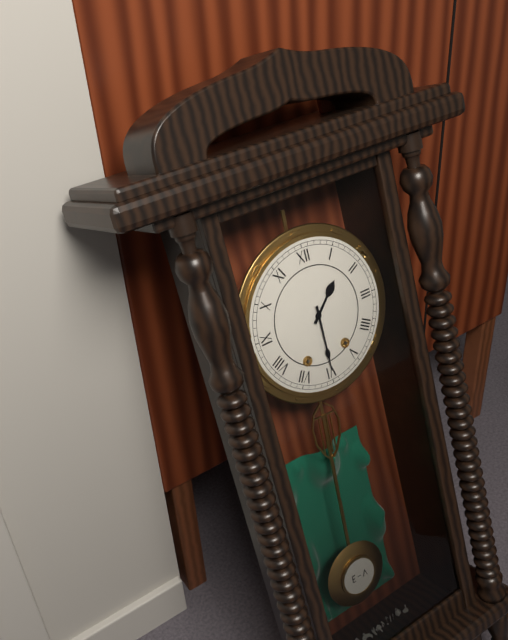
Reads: h=1 m=30
